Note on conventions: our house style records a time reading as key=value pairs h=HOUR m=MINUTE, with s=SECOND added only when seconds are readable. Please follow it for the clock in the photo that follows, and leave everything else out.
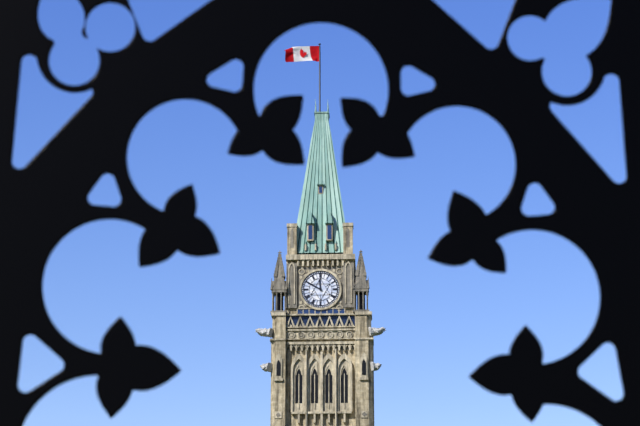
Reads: h=11 m=50
